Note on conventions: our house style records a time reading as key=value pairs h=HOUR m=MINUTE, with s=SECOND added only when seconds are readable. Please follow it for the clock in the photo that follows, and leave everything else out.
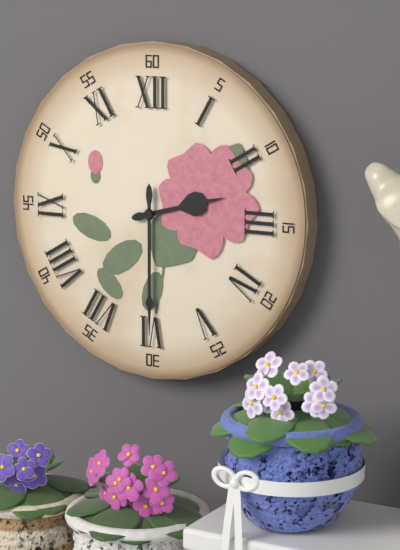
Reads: h=2 m=30
